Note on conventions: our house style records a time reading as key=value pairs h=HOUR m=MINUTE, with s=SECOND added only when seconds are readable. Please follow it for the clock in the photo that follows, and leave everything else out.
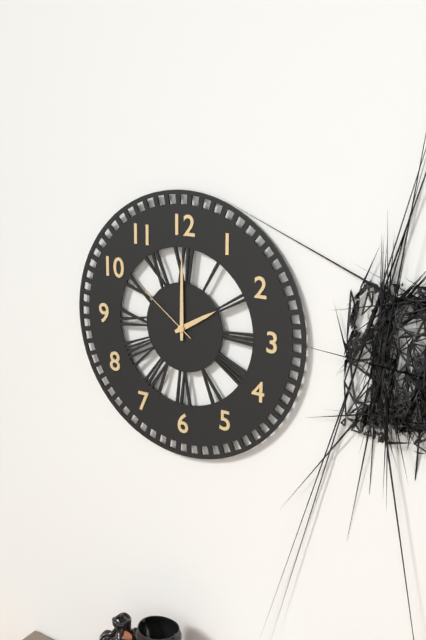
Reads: h=2 m=0 s=51
